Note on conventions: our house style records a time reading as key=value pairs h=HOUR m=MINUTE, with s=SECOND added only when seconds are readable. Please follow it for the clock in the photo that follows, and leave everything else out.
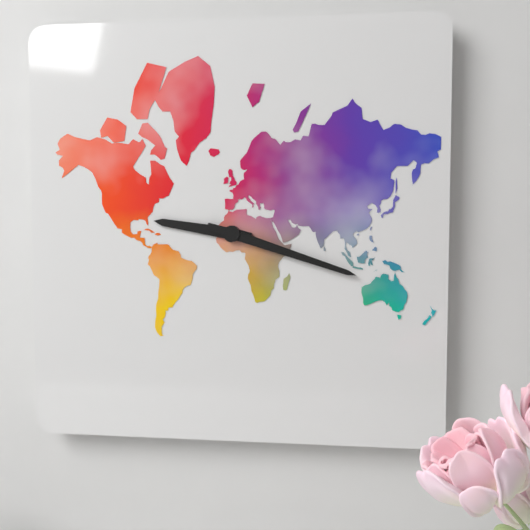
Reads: h=9 m=18
